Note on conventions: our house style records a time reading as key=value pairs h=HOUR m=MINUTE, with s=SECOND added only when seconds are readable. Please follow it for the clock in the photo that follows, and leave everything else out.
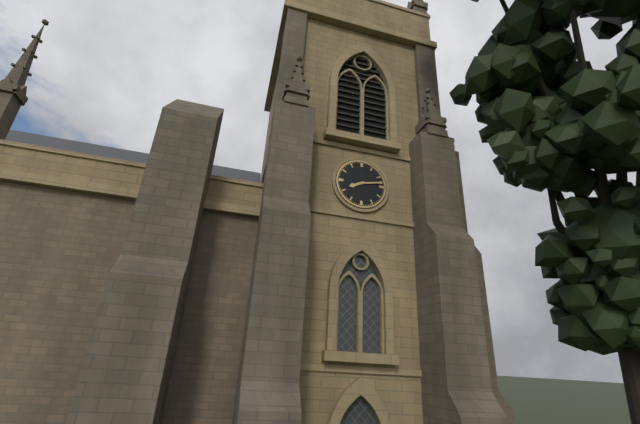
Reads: h=8 m=13
